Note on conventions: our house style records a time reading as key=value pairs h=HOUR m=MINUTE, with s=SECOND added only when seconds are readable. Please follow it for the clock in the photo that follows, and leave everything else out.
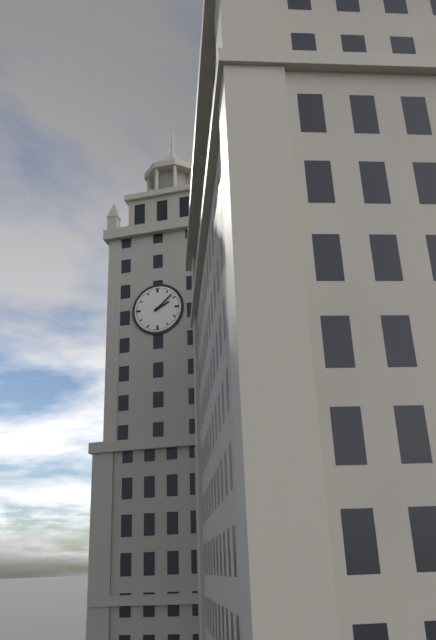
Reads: h=2 m=8
